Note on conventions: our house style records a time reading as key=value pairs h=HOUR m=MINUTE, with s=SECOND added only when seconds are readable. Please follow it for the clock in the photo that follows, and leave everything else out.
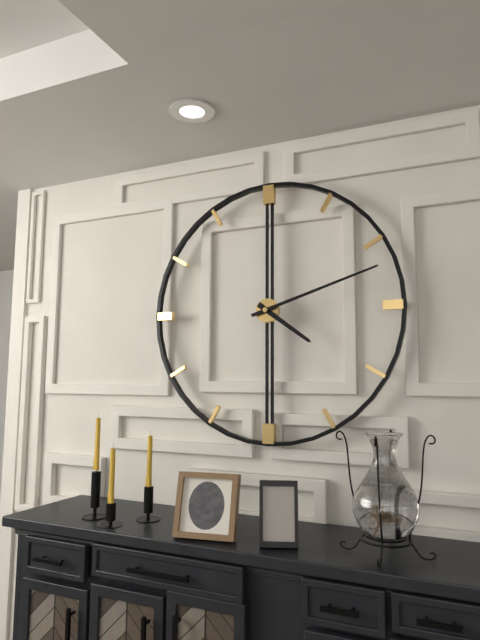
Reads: h=4 m=12
